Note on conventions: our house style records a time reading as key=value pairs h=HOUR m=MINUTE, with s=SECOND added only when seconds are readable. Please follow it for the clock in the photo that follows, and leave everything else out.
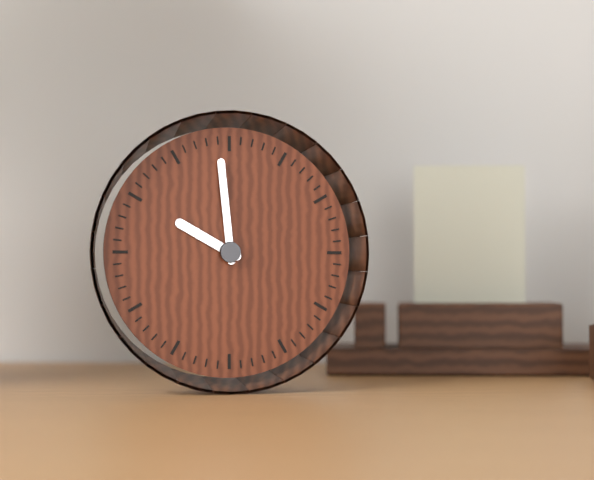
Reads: h=9 m=59
